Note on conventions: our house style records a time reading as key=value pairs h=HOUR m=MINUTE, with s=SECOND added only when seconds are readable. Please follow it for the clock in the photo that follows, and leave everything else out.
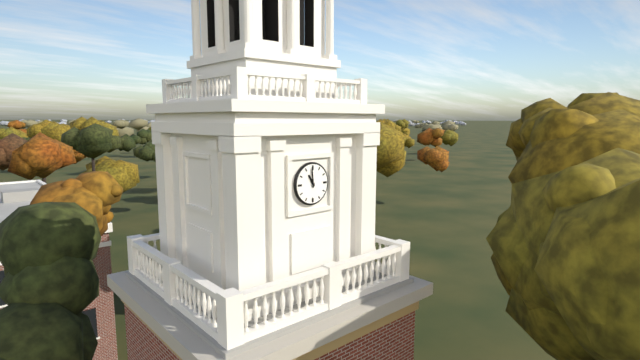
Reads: h=10 m=59
